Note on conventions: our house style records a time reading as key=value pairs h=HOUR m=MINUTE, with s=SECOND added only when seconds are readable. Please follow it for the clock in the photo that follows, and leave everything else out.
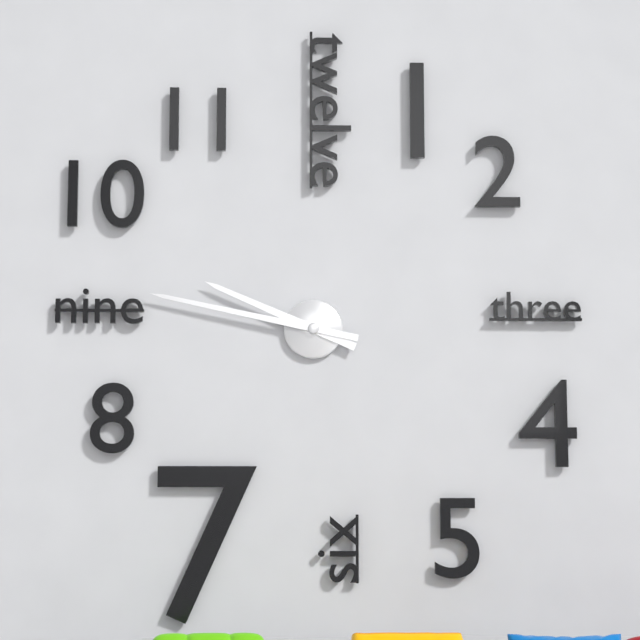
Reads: h=9 m=47
